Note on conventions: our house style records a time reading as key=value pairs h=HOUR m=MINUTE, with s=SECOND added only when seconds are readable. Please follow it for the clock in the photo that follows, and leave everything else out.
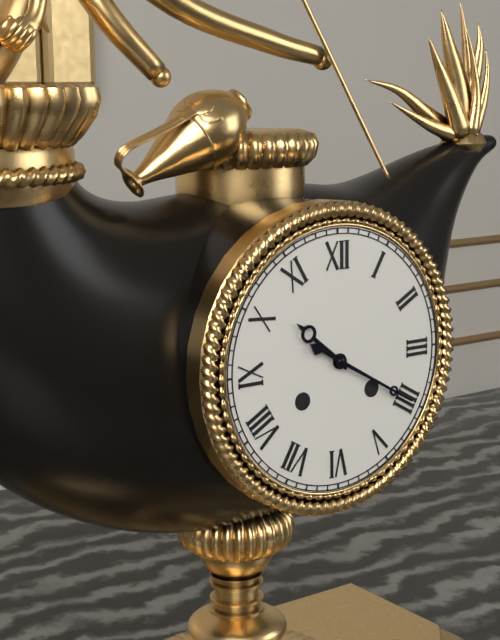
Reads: h=10 m=20
